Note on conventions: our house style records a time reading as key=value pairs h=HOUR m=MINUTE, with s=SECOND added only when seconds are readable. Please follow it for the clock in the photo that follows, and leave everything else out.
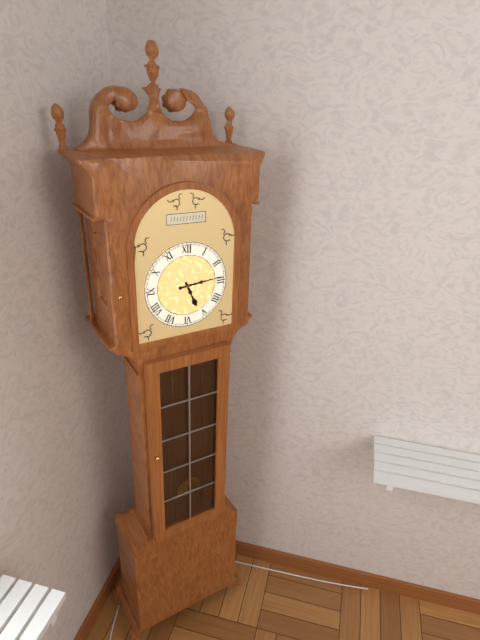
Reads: h=5 m=14
